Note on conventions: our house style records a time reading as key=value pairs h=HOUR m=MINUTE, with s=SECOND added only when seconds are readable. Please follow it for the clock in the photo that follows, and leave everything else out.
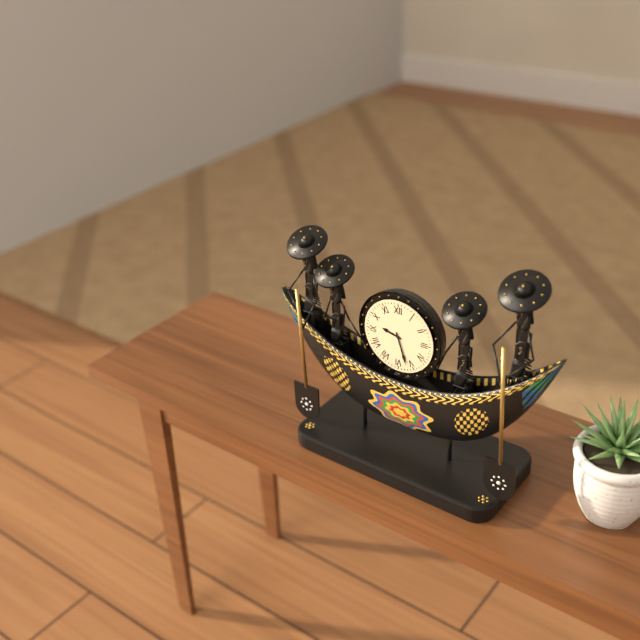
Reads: h=9 m=27
